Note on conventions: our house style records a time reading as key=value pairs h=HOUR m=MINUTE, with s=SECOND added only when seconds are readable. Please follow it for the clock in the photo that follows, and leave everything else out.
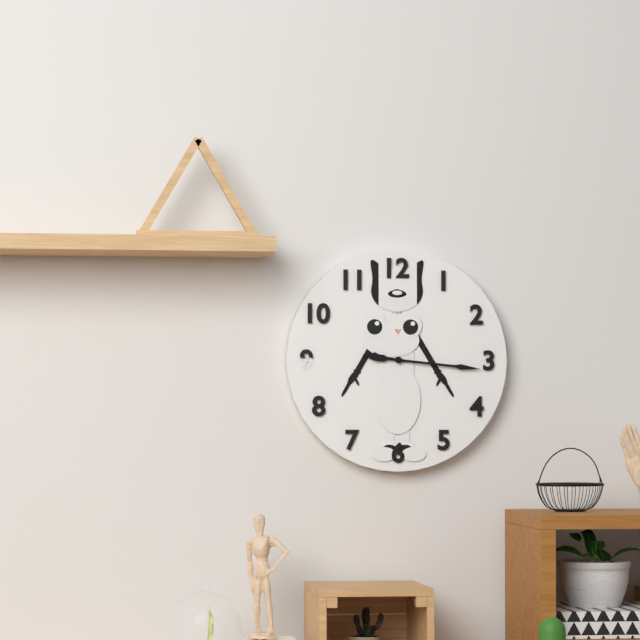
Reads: h=9 m=16
